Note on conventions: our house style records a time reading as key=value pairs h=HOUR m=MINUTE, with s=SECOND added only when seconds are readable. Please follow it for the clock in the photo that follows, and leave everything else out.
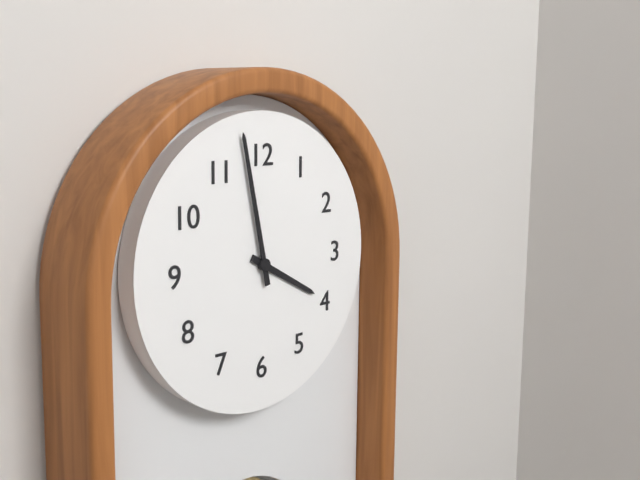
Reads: h=3 m=58
